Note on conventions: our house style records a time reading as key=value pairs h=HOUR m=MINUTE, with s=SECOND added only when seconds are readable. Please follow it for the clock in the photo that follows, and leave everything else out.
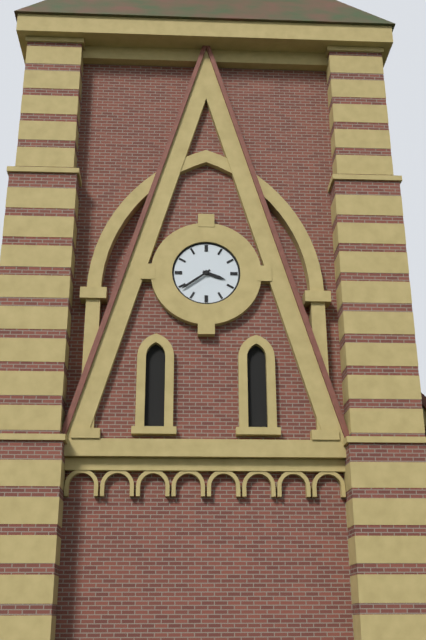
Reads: h=3 m=39
